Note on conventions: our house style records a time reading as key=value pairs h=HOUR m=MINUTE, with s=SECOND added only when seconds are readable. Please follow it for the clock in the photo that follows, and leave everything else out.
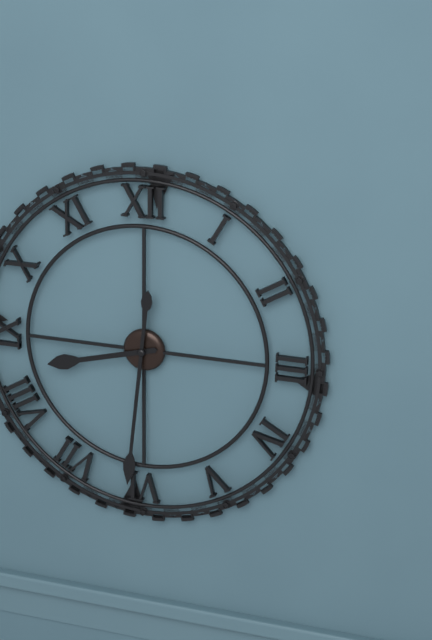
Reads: h=8 m=31
